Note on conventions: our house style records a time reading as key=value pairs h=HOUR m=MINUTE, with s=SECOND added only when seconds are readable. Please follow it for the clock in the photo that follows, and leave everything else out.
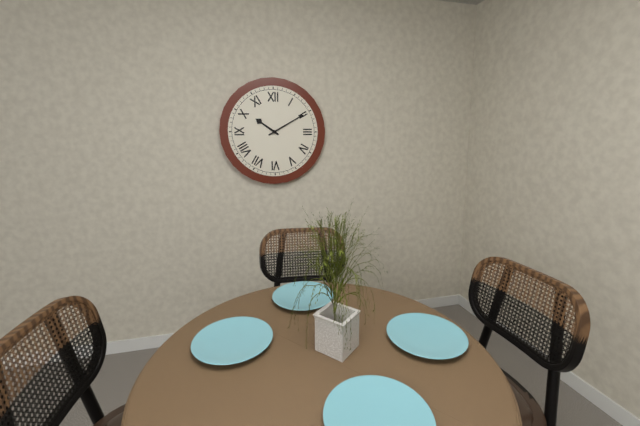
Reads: h=10 m=10
